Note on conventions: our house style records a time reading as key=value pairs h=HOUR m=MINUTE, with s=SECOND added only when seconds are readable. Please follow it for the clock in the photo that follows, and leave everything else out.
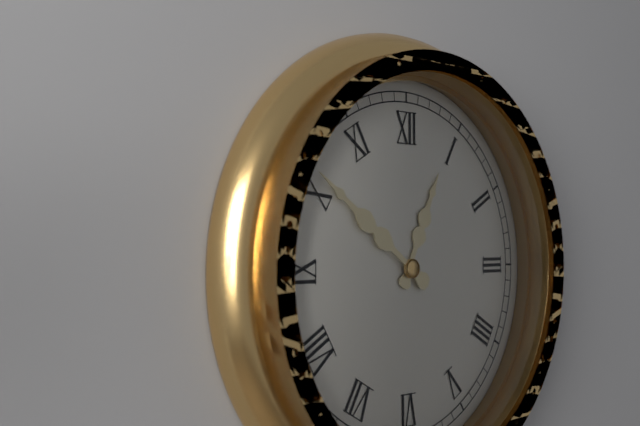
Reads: h=12 m=51
